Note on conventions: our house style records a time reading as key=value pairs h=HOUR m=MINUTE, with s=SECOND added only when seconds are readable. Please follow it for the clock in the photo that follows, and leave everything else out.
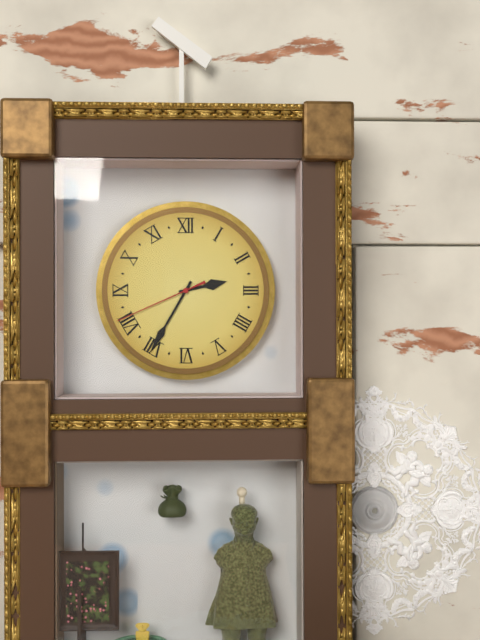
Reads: h=2 m=35 s=41
